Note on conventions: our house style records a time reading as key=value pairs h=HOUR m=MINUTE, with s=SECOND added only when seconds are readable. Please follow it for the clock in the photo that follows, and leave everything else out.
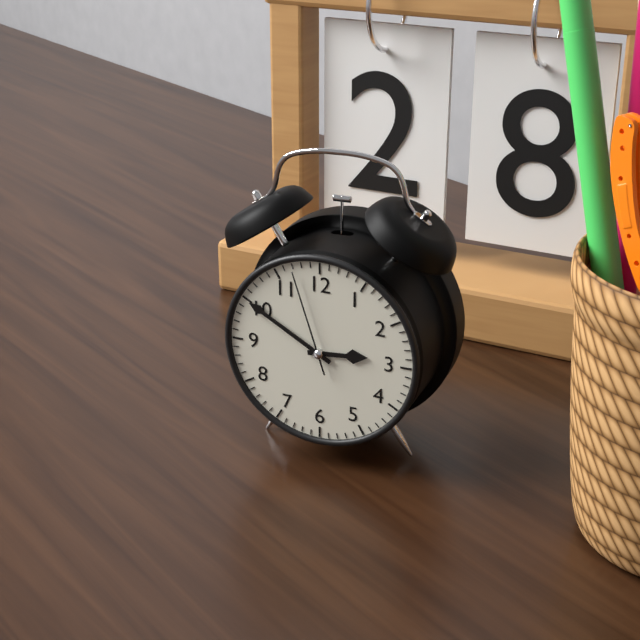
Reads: h=2 m=50 s=57
